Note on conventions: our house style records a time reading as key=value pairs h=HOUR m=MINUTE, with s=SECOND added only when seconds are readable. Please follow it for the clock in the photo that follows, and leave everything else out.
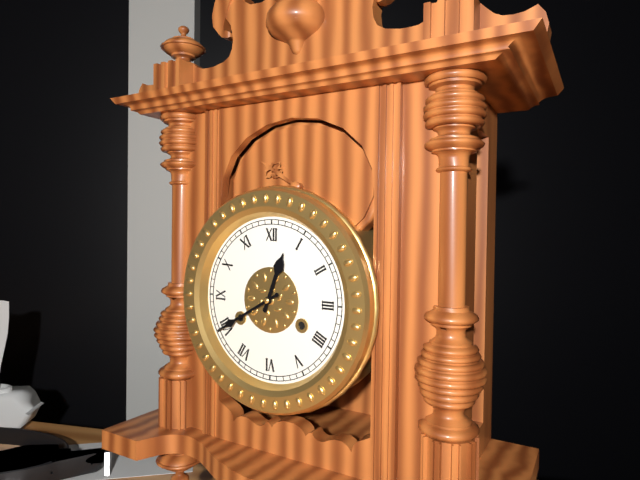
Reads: h=12 m=40
